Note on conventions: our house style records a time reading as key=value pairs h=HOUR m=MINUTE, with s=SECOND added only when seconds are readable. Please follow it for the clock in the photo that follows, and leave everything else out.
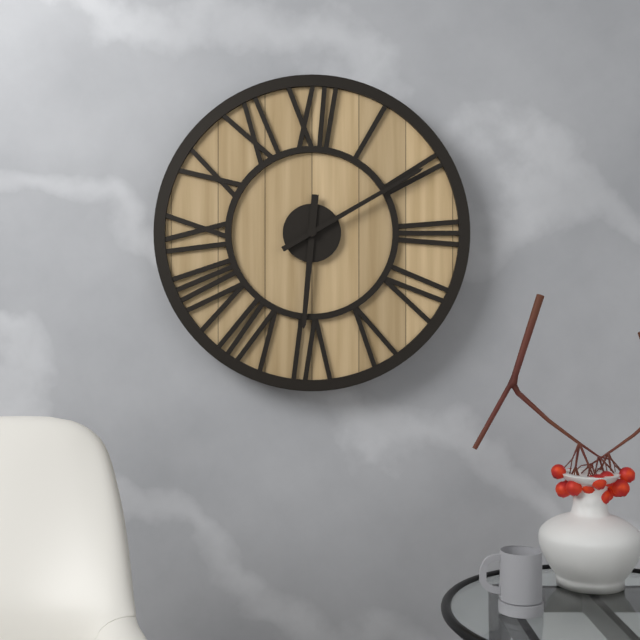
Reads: h=6 m=10
